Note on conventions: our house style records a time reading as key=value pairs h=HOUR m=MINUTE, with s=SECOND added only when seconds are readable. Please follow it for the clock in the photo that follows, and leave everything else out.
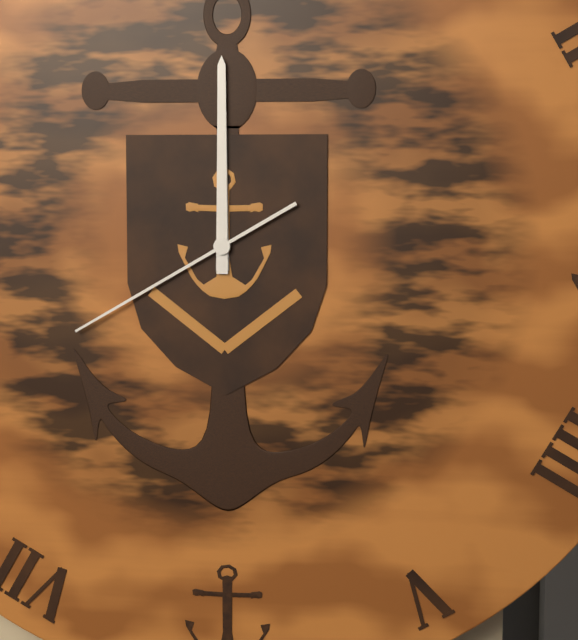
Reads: h=12 m=0 s=40
